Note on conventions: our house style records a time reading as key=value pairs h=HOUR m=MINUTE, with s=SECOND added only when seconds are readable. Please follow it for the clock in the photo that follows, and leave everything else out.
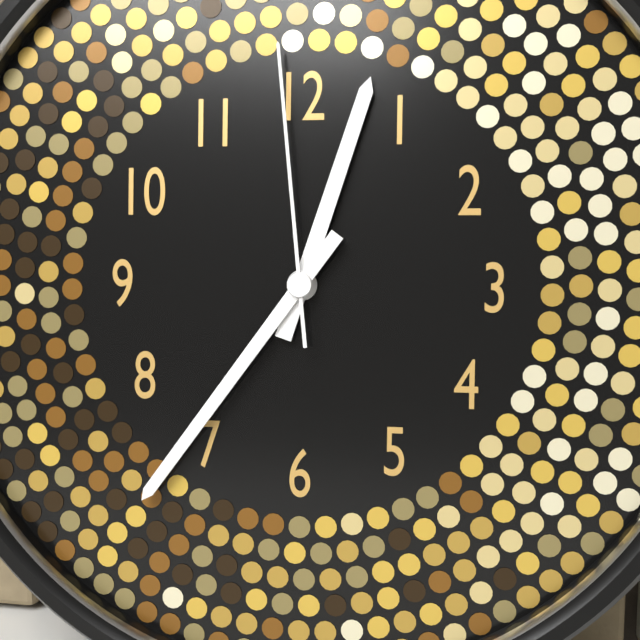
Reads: h=12 m=36 s=59
